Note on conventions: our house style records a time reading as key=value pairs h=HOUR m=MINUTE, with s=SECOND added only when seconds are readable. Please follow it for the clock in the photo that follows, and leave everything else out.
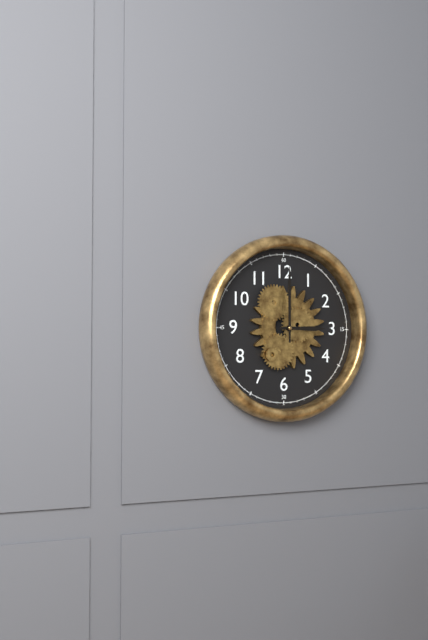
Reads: h=3 m=0
